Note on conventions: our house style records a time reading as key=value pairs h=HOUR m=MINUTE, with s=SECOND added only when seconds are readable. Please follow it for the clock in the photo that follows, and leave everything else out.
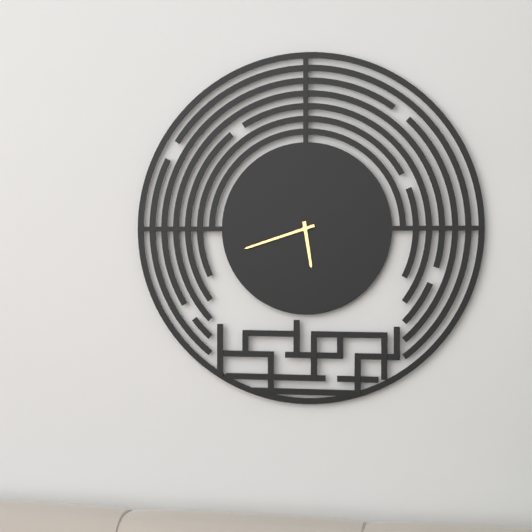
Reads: h=5 m=42
